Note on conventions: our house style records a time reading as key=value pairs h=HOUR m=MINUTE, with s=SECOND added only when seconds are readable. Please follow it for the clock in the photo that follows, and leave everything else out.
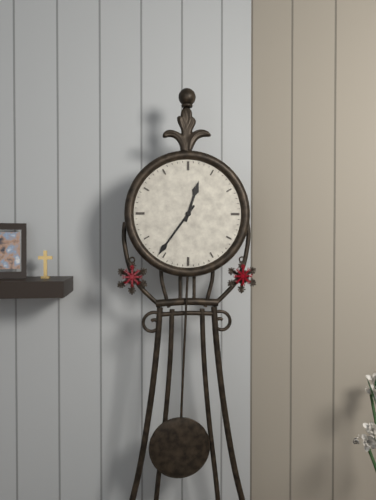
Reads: h=12 m=36
